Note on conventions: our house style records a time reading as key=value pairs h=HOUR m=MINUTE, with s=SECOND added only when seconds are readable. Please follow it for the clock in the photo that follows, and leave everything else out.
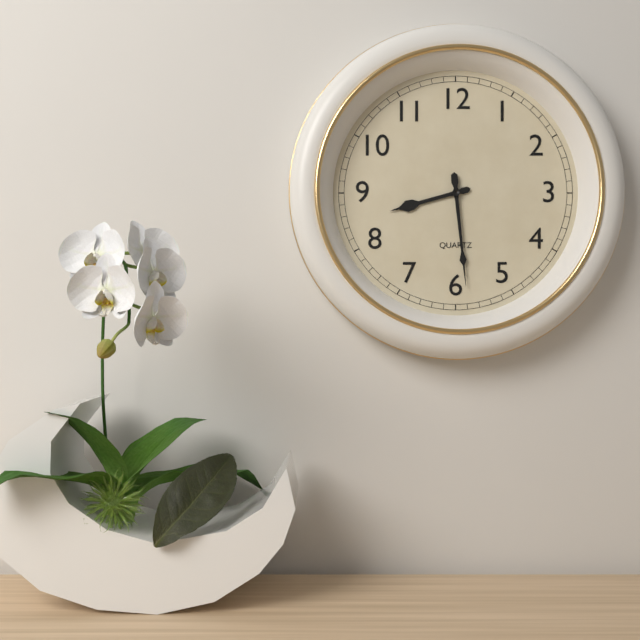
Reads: h=8 m=29
